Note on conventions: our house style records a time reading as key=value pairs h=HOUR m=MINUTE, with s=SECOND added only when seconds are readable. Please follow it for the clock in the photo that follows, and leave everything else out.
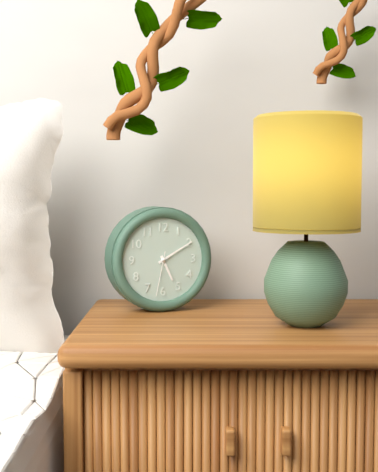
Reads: h=5 m=10
